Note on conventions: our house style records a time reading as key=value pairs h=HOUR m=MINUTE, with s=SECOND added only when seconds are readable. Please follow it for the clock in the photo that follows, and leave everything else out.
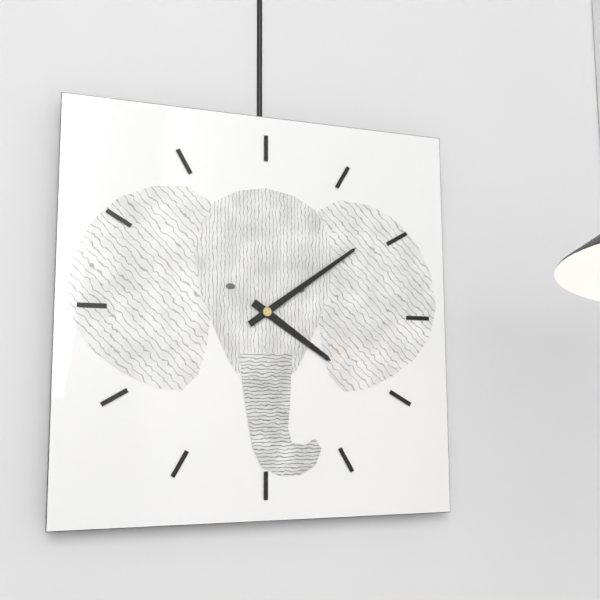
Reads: h=4 m=9
